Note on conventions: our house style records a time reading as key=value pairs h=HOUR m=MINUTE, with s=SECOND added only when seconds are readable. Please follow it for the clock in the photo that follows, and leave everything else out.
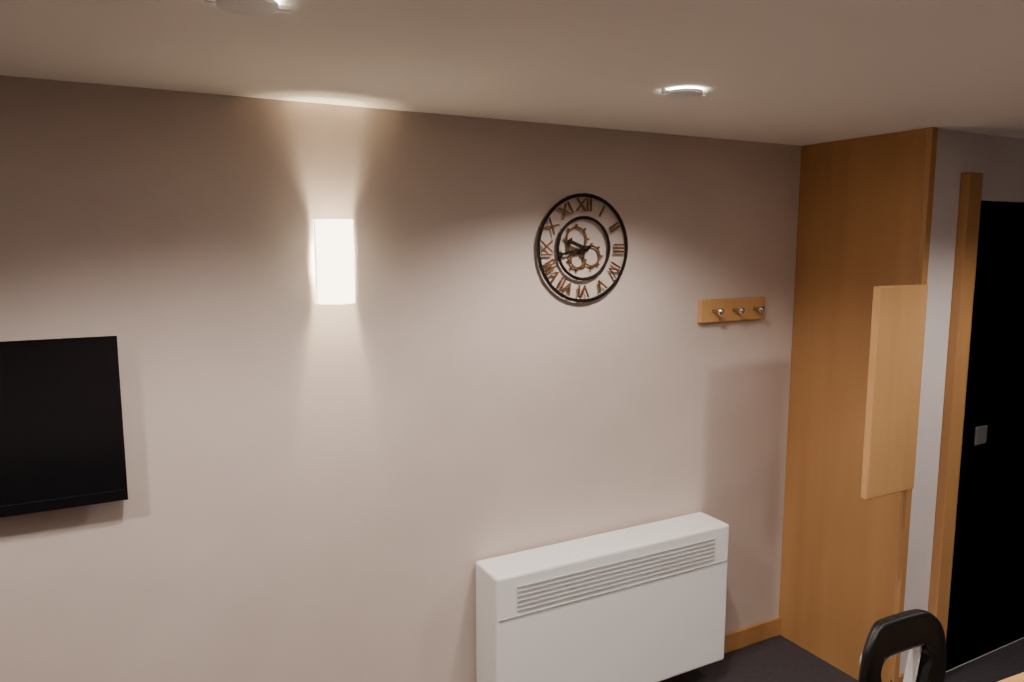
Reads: h=9 m=43
